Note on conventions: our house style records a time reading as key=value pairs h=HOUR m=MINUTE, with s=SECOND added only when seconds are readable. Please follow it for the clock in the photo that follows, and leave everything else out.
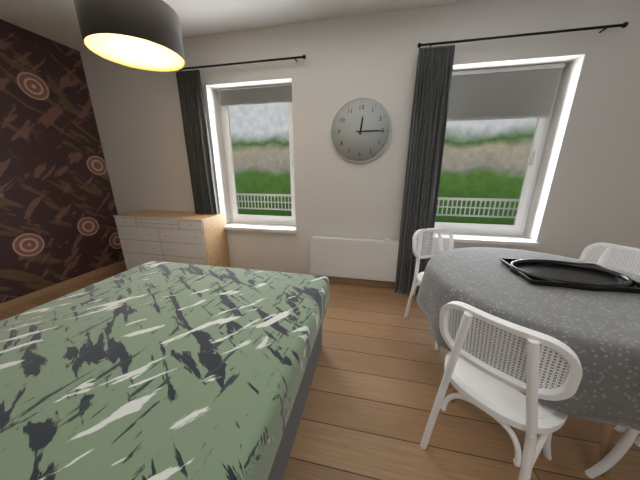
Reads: h=12 m=15
